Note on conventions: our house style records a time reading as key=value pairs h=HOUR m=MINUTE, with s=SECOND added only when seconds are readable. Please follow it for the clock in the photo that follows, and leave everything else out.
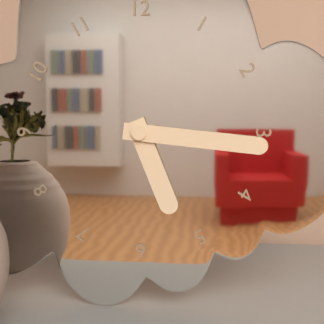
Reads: h=5 m=16
